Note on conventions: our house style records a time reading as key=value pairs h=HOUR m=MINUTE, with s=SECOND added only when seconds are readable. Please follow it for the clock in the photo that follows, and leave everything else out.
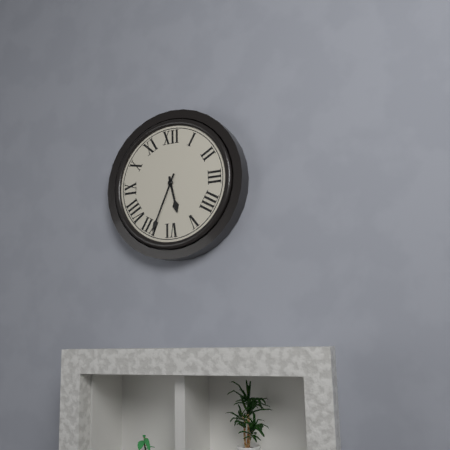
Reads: h=5 m=34
